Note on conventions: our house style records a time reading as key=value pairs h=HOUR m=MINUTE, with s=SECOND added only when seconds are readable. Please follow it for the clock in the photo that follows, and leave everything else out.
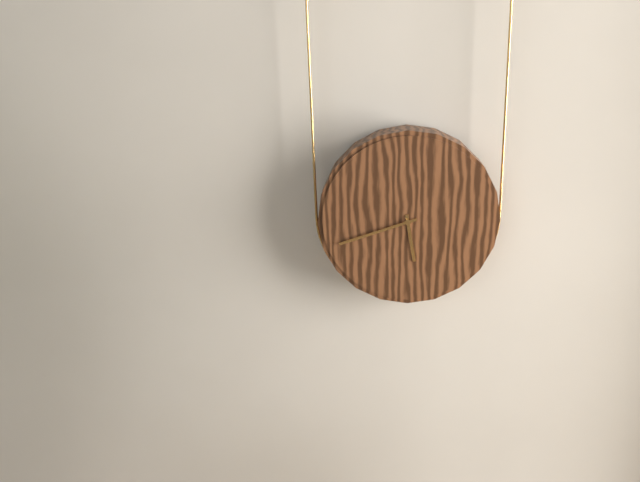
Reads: h=5 m=42
